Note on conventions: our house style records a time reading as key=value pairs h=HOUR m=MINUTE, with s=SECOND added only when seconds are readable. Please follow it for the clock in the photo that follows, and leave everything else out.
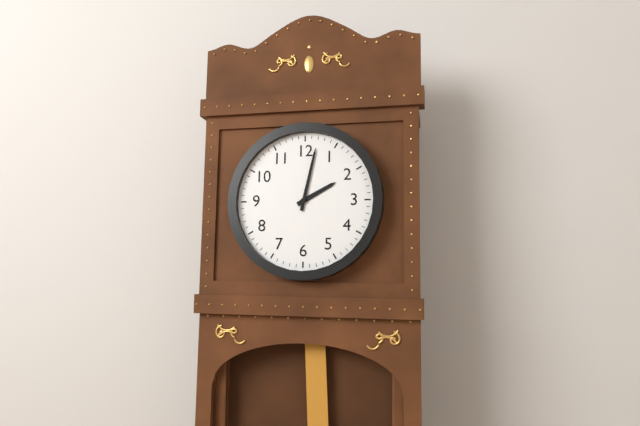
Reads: h=2 m=2
